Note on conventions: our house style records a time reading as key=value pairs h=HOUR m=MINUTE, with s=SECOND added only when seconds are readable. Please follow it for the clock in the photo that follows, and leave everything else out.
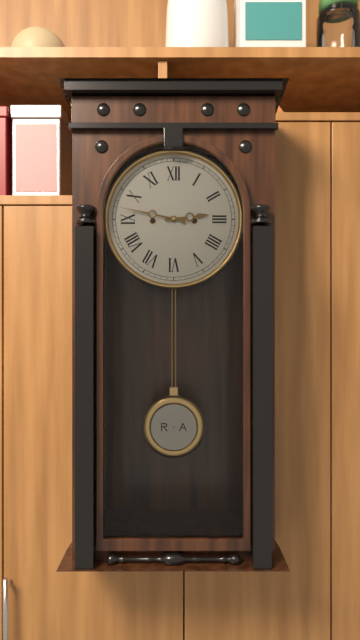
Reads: h=2 m=47
